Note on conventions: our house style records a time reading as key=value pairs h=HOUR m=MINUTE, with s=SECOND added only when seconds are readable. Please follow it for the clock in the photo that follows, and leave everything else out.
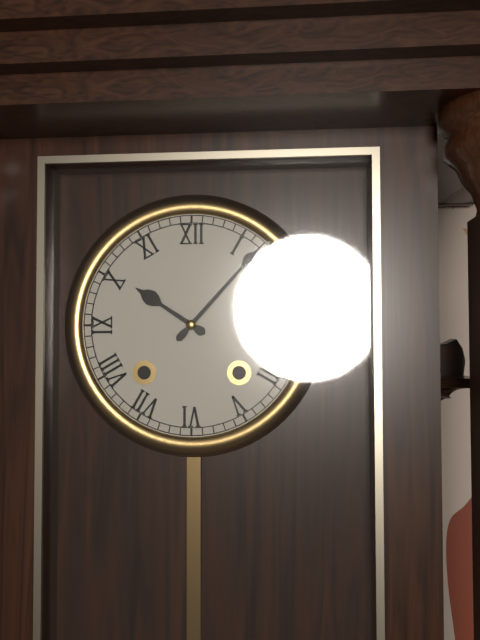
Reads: h=10 m=7
